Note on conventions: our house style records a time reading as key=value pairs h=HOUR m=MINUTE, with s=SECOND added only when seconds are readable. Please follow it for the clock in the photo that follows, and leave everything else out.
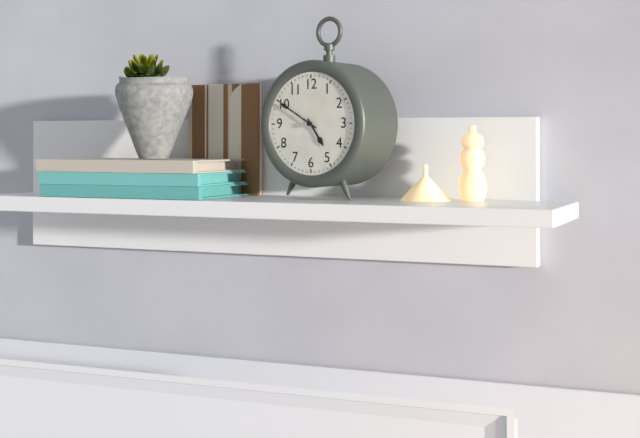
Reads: h=4 m=50
